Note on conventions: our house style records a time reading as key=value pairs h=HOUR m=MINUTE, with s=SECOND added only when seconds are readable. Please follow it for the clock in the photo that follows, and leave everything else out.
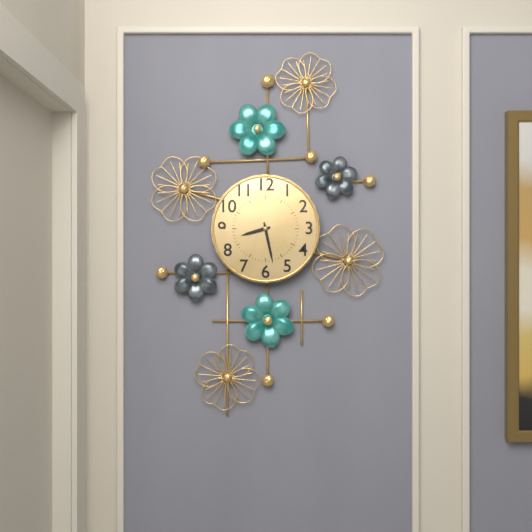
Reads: h=8 m=28
